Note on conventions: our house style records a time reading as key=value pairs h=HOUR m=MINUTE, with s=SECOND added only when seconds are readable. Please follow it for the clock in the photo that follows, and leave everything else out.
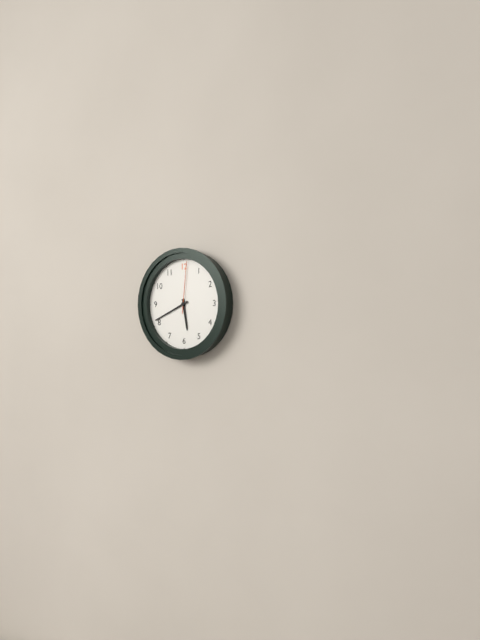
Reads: h=5 m=41 s=1
